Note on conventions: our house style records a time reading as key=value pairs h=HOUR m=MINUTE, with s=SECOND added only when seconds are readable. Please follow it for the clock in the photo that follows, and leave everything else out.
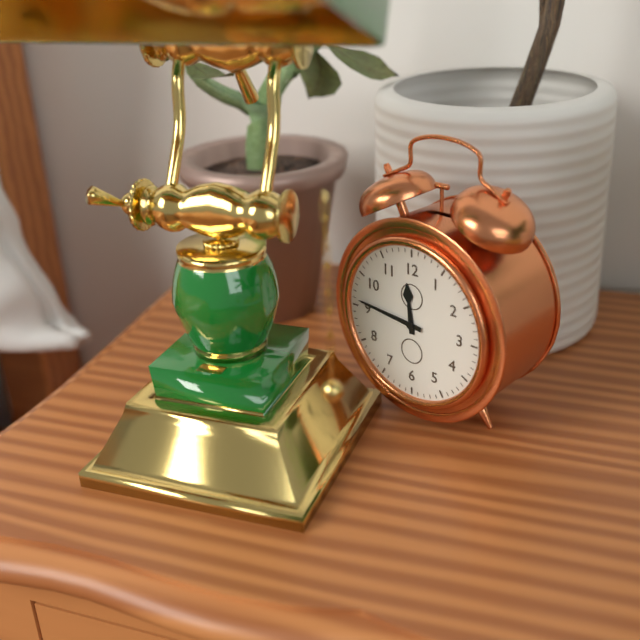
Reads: h=11 m=46
